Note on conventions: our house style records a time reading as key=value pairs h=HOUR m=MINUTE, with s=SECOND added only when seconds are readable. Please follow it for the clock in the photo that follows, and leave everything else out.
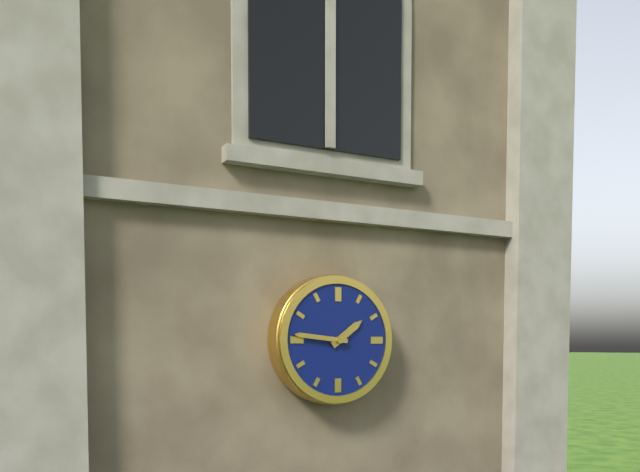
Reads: h=1 m=46
